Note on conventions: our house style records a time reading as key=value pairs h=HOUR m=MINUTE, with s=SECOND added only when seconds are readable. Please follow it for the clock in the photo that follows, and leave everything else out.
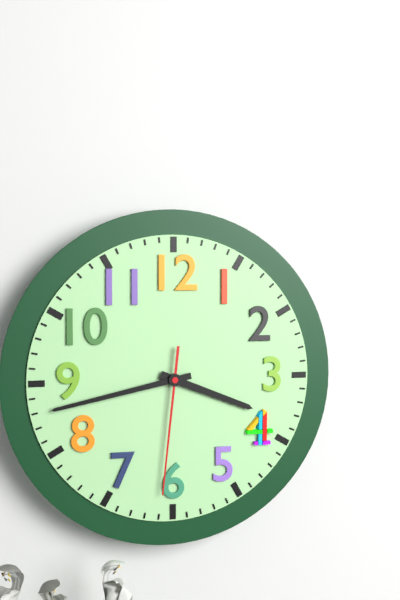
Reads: h=3 m=43 s=31
